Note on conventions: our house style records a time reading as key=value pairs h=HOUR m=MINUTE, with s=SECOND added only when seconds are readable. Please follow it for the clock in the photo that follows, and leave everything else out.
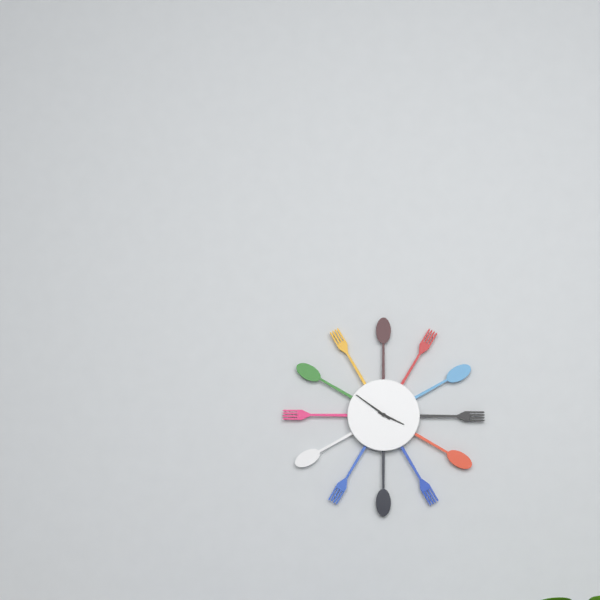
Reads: h=3 m=51
